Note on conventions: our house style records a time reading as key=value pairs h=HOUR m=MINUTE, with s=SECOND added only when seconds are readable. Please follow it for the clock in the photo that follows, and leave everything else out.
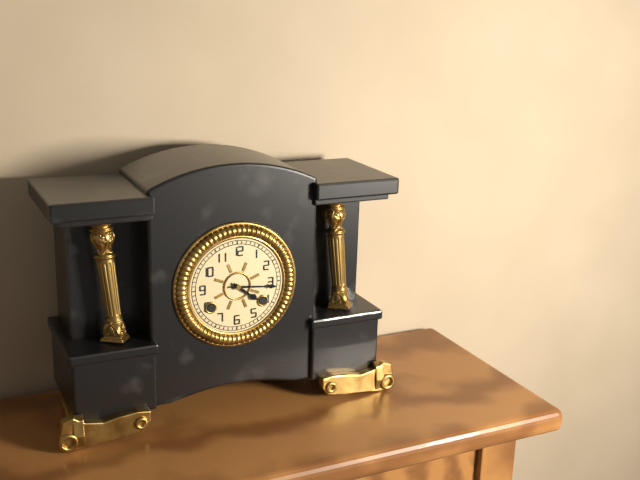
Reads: h=4 m=16
